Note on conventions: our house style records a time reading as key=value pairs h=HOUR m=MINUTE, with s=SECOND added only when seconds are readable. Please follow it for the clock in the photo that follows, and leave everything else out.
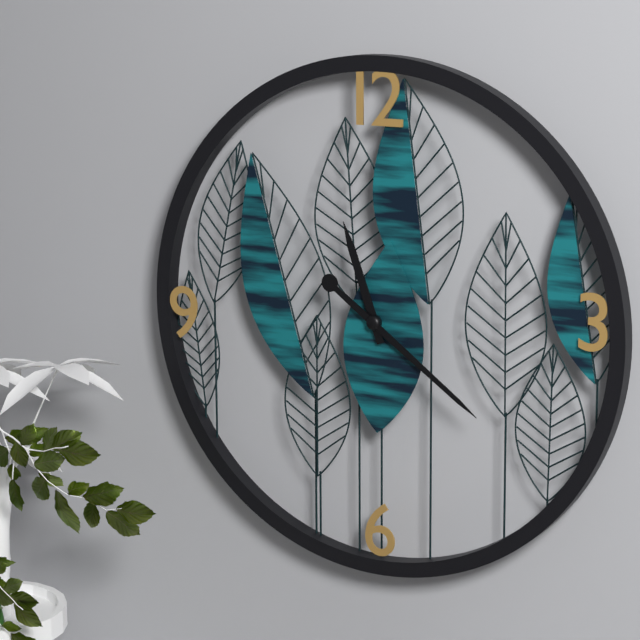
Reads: h=11 m=21
